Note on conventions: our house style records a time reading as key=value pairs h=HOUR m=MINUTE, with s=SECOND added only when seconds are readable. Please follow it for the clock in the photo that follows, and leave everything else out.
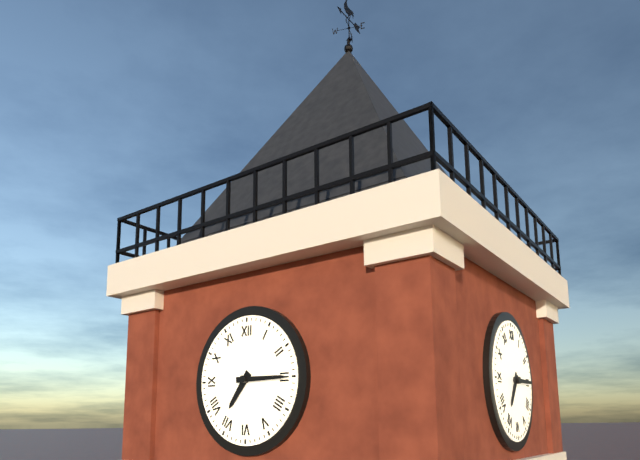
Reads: h=7 m=15
